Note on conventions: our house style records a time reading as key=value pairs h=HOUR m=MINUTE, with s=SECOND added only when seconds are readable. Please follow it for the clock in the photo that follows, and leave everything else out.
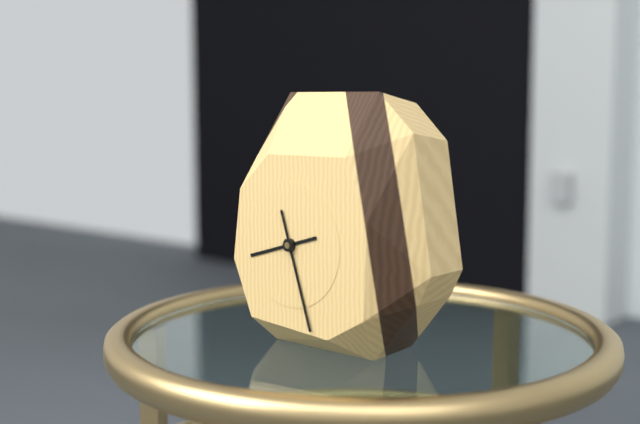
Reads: h=8 m=27
